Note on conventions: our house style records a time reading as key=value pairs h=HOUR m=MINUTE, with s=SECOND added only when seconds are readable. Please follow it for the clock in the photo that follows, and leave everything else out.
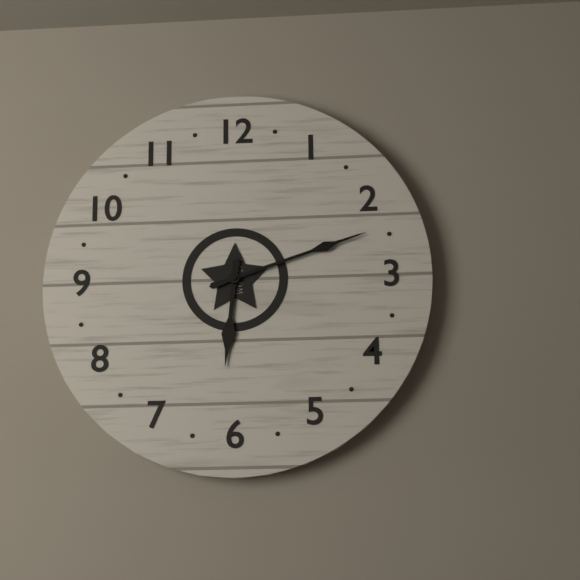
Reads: h=6 m=12
